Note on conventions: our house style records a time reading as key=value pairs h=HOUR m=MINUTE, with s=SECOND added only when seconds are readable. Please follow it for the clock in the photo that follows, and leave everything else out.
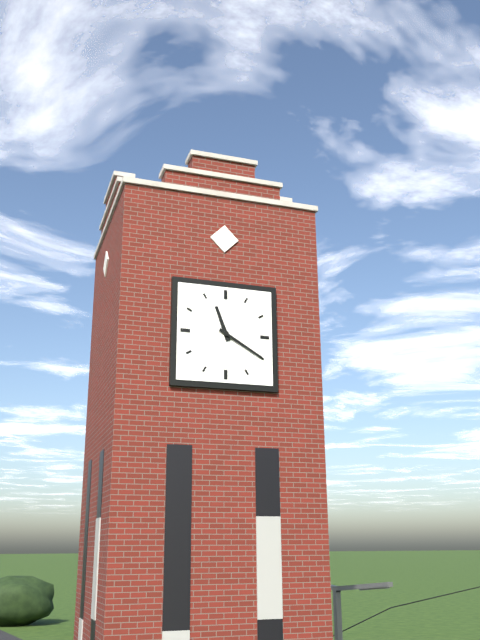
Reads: h=11 m=20
